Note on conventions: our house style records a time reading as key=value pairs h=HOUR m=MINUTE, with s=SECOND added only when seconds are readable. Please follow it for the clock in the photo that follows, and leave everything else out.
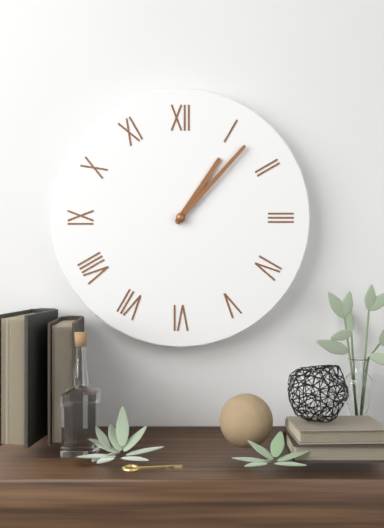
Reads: h=1 m=7
